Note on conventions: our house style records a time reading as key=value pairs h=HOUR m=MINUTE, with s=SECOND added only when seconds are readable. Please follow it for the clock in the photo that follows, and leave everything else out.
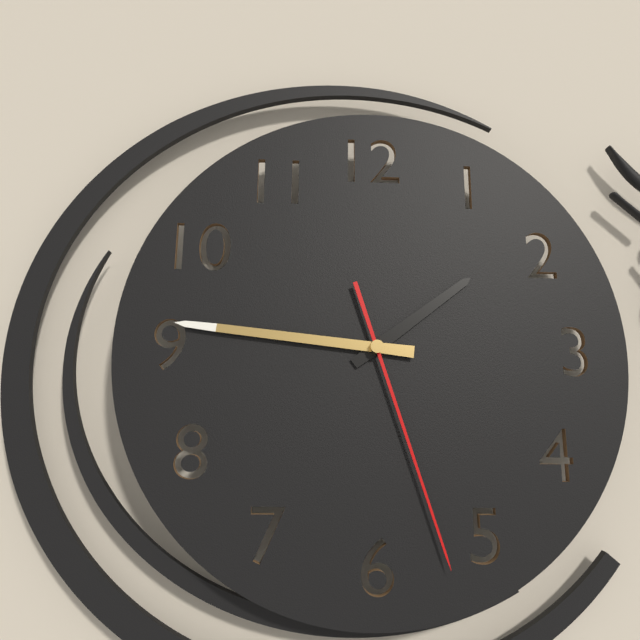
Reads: h=1 m=46 s=27
